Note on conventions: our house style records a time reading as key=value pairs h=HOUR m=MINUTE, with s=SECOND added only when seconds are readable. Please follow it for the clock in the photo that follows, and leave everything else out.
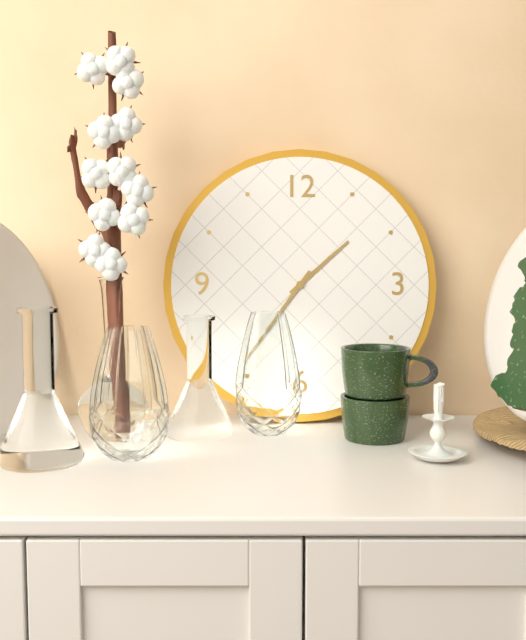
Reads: h=1 m=36
